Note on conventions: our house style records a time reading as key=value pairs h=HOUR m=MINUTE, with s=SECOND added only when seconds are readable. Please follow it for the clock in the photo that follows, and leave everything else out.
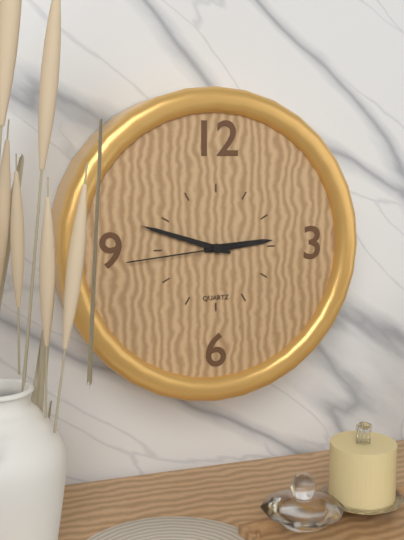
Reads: h=2 m=48 s=44
